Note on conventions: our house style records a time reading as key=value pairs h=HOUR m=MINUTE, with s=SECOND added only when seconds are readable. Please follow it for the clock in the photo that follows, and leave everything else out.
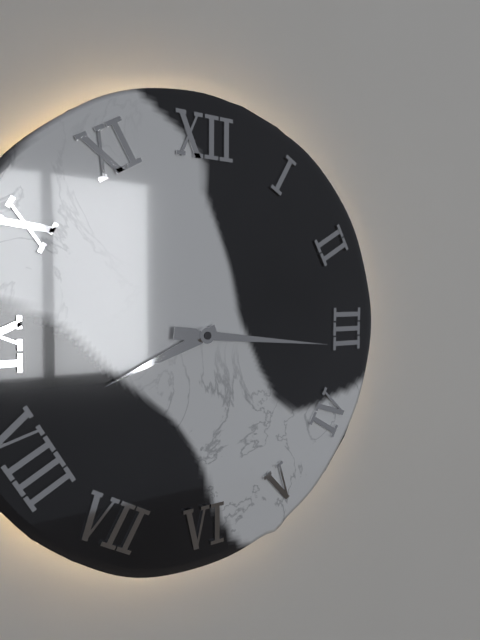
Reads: h=8 m=16
